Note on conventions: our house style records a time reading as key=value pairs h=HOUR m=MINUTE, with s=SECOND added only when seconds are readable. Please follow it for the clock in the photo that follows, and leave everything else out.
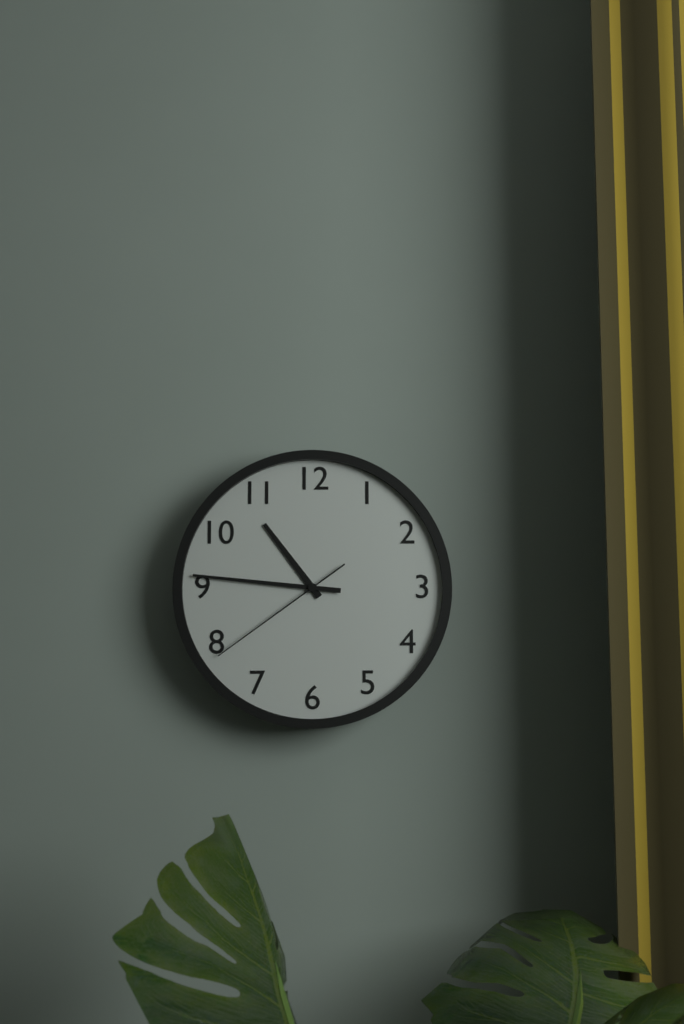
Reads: h=10 m=46 s=39
